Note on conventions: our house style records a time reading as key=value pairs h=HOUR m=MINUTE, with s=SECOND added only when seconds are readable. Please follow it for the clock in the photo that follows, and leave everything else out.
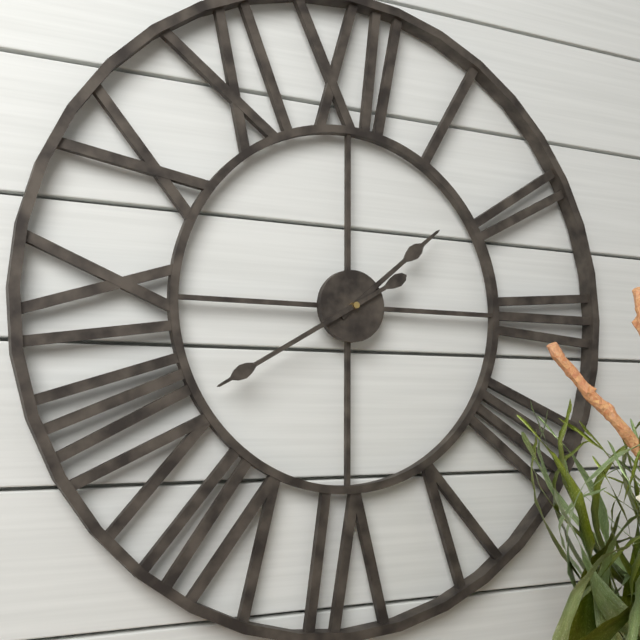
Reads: h=1 m=40
